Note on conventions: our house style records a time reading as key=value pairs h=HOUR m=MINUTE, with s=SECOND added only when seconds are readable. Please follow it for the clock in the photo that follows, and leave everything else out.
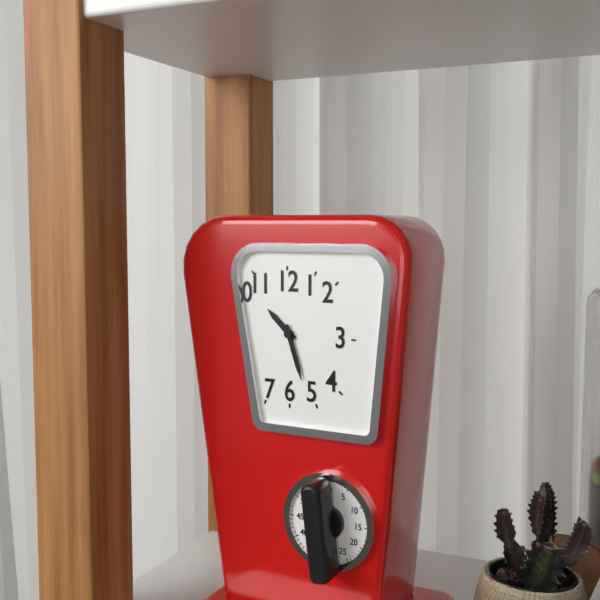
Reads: h=10 m=27
